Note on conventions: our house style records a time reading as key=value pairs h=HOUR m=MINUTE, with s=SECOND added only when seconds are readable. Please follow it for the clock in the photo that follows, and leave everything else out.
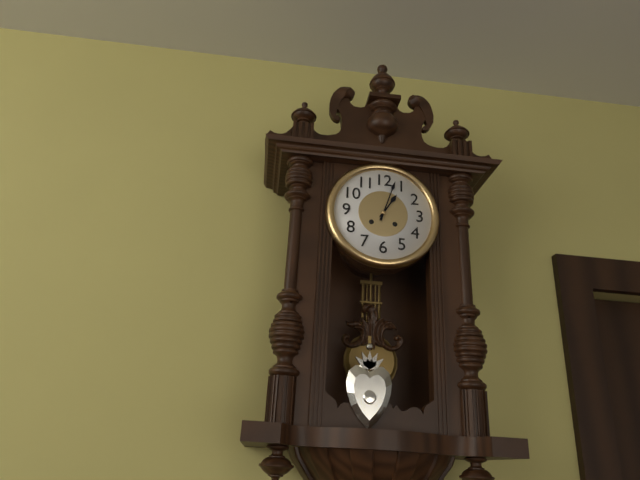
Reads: h=1 m=3
